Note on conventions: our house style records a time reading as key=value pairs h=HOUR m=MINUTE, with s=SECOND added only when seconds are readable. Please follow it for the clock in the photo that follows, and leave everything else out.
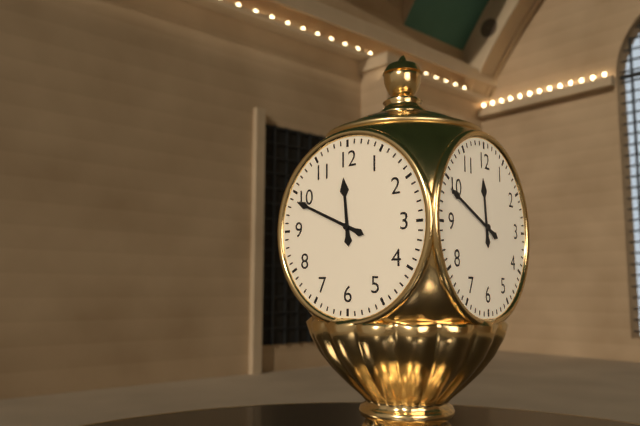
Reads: h=11 m=49
